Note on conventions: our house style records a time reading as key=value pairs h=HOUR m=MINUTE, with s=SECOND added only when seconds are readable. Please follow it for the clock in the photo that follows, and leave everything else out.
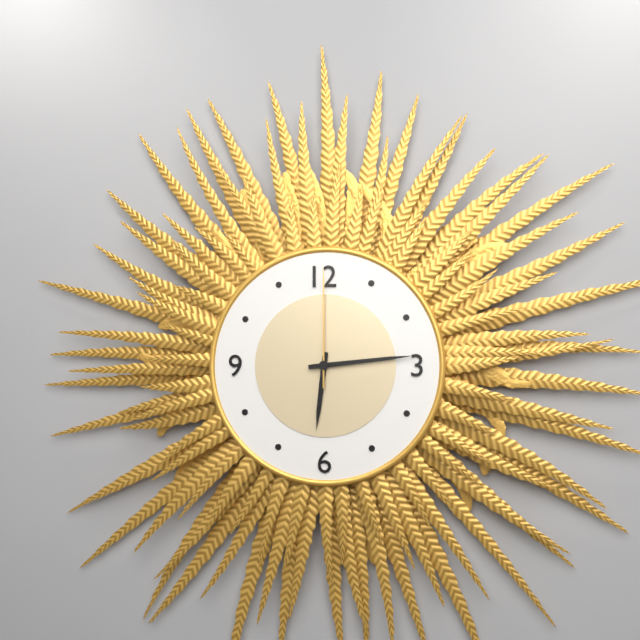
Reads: h=6 m=14 s=0
